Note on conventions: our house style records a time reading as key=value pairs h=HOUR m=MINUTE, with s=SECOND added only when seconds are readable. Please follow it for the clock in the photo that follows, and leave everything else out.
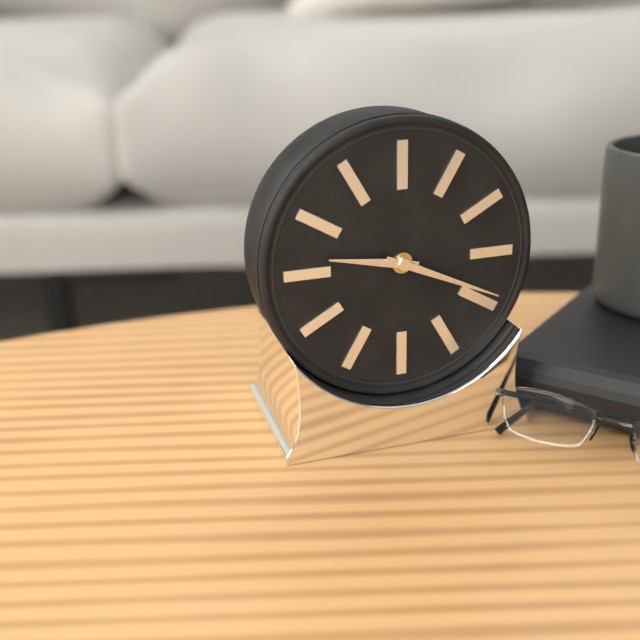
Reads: h=9 m=19
